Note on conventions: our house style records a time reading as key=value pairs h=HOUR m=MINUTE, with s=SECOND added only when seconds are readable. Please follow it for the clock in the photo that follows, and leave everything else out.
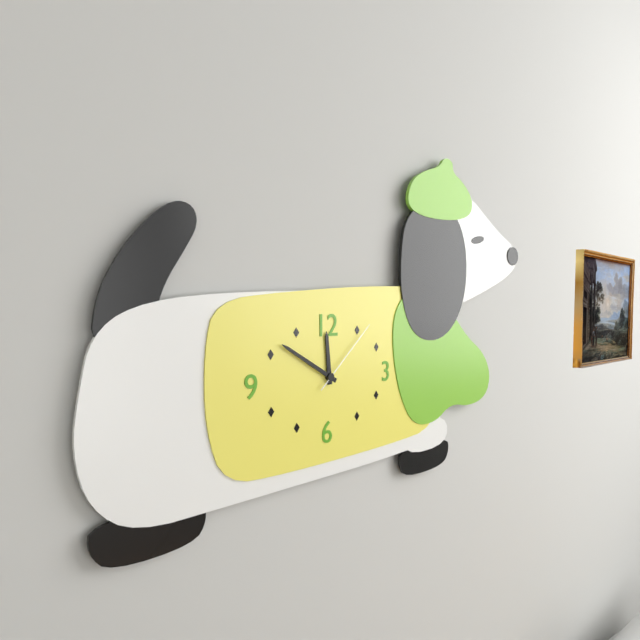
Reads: h=11 m=50 s=8
